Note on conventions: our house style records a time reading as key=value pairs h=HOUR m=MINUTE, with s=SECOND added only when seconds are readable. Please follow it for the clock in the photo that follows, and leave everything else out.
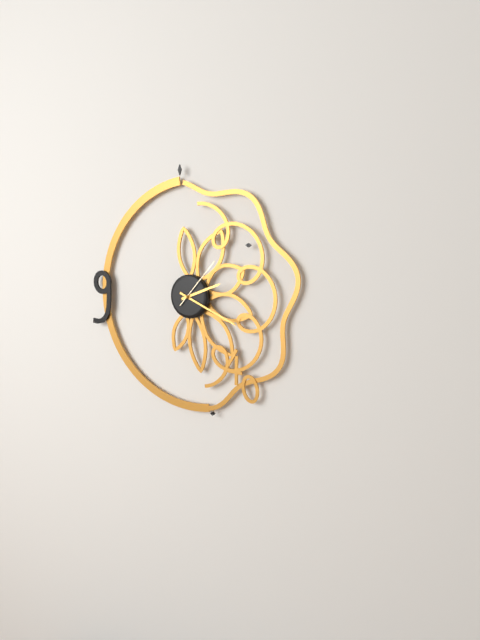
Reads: h=2 m=19 s=7
